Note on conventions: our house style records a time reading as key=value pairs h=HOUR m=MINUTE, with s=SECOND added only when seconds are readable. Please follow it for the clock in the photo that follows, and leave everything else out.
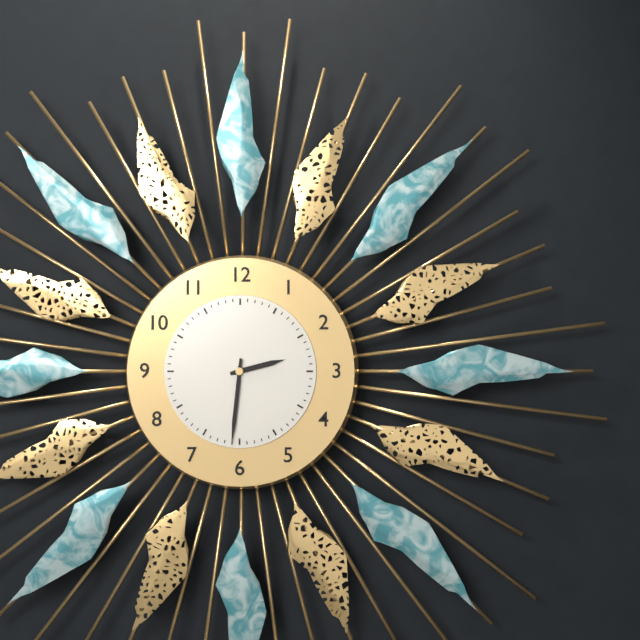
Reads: h=2 m=31
